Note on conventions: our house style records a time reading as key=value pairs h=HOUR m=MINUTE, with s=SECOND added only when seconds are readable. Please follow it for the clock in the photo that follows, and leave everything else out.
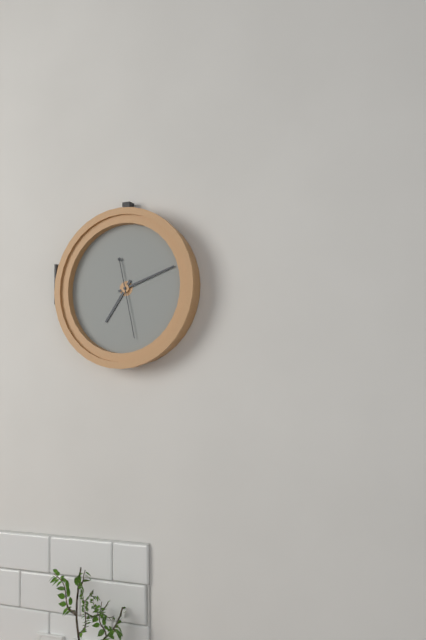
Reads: h=7 m=12 s=28
